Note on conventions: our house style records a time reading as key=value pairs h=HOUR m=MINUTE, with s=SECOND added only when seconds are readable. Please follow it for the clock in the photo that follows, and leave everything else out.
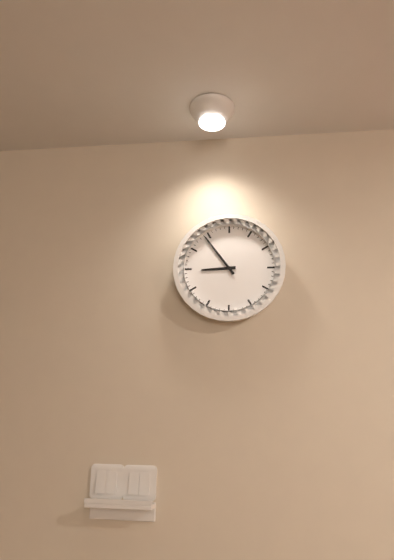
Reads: h=8 m=54
